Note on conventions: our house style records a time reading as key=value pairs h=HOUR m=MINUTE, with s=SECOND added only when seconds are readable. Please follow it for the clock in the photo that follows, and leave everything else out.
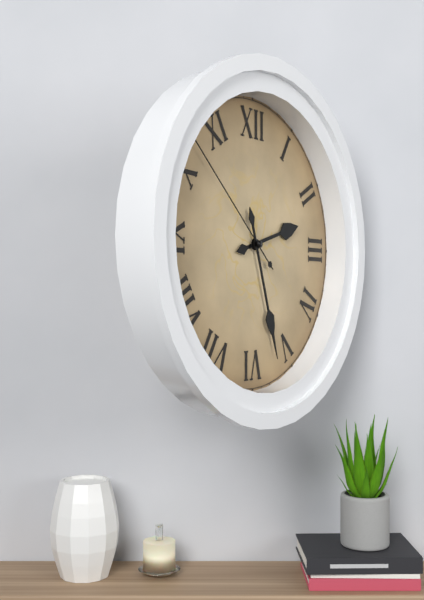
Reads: h=2 m=27 s=52
